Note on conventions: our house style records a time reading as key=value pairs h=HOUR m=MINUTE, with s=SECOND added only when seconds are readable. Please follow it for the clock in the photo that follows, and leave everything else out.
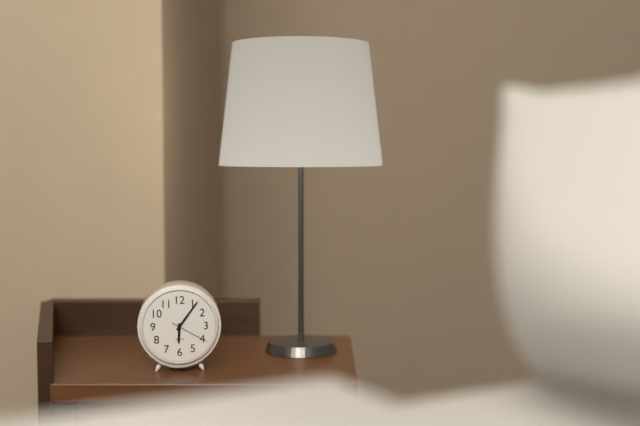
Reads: h=6 m=6
